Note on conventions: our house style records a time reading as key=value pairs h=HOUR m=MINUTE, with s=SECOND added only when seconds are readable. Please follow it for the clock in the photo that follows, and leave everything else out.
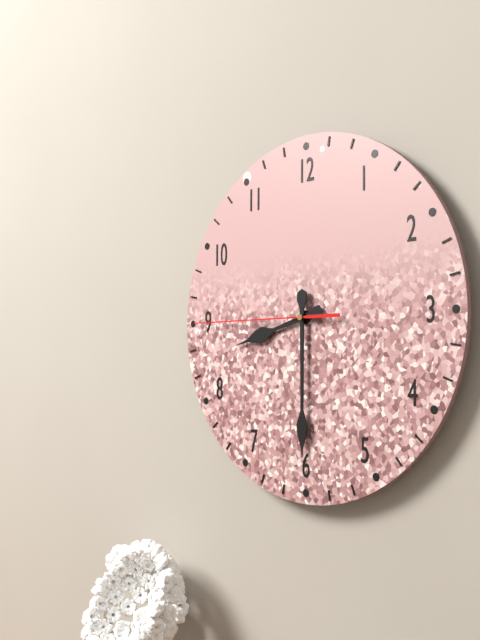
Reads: h=8 m=30 s=45
